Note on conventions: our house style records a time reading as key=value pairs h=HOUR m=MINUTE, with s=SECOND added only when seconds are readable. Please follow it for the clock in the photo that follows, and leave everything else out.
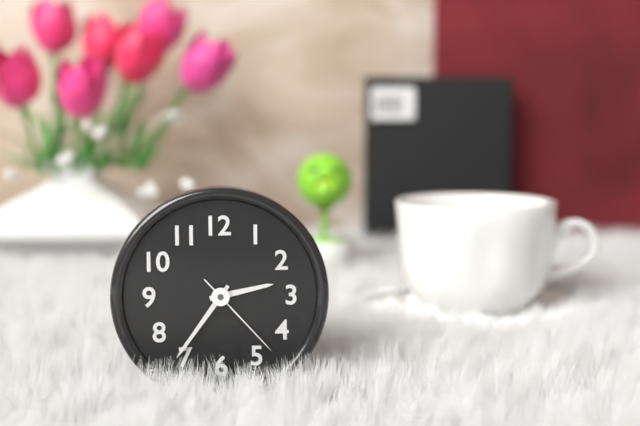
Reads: h=2 m=36 s=23
